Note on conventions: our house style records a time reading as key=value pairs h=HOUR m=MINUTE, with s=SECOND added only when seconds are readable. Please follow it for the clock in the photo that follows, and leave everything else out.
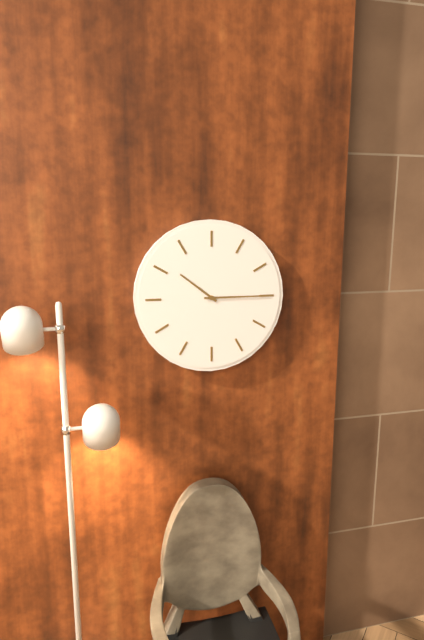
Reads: h=10 m=15
